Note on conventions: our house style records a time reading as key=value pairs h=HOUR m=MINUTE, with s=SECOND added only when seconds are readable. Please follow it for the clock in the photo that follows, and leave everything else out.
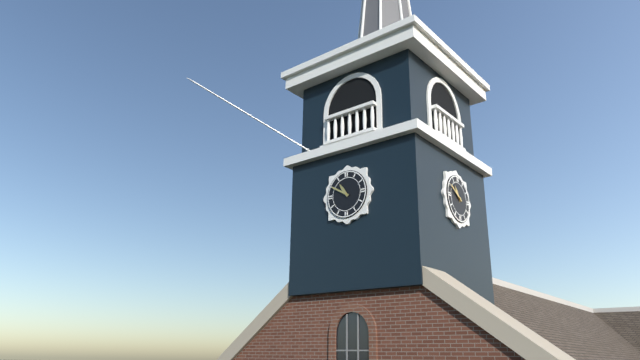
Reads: h=10 m=50
